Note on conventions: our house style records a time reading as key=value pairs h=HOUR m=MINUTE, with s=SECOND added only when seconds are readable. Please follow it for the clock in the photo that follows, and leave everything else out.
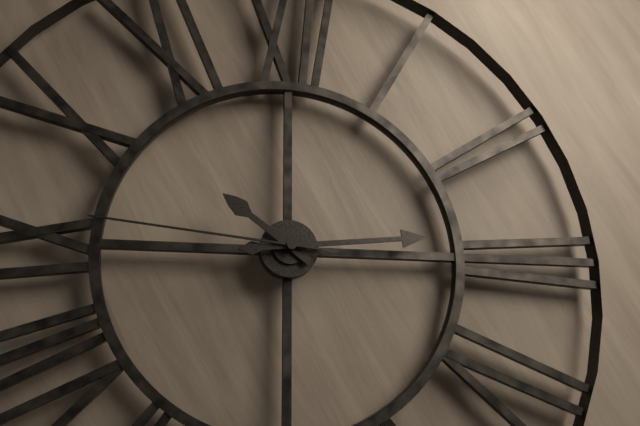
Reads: h=10 m=14 s=46
